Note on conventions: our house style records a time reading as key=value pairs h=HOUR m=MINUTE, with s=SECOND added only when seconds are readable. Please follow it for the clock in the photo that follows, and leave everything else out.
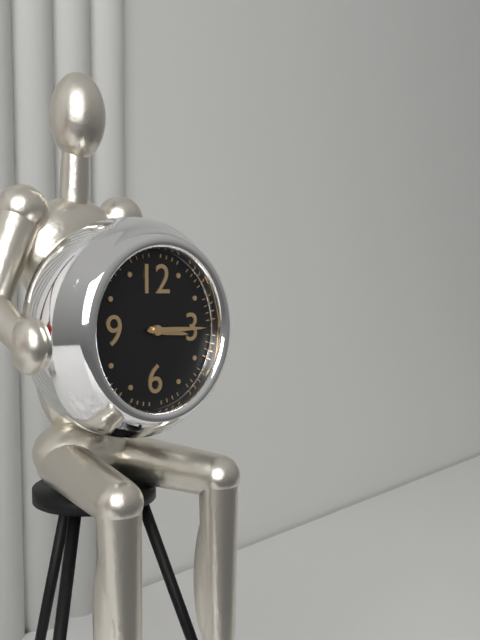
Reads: h=3 m=15
